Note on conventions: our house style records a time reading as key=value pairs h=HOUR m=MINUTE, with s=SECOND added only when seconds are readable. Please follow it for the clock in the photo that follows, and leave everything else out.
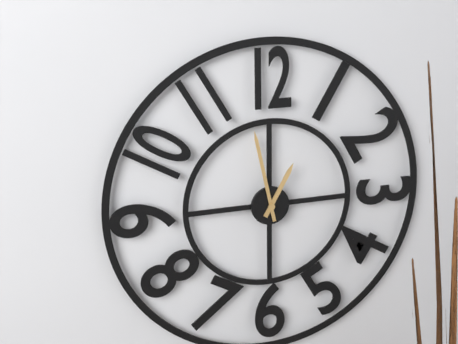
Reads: h=12 m=58
